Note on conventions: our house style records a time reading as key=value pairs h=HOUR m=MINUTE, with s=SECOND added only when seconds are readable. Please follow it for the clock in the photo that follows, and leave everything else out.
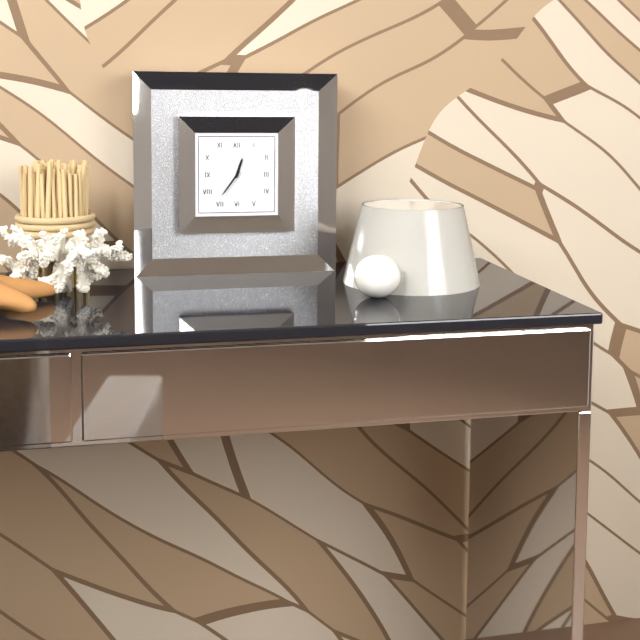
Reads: h=12 m=36
